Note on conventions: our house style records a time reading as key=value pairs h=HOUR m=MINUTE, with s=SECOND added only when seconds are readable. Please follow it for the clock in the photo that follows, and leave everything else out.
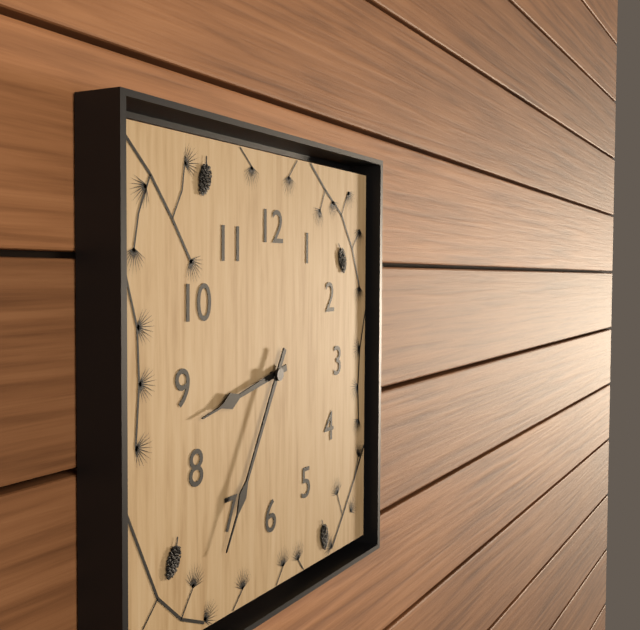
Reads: h=8 m=35
